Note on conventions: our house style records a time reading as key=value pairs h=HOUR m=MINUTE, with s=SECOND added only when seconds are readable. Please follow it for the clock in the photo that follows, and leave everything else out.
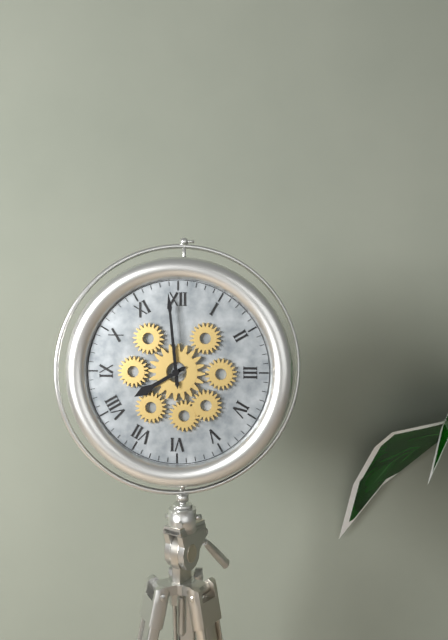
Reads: h=7 m=59
